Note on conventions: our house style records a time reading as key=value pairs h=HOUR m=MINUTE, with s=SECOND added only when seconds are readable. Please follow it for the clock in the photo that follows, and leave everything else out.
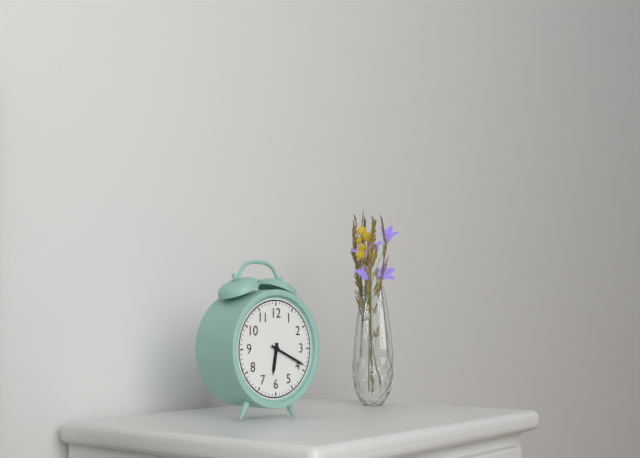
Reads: h=6 m=19
